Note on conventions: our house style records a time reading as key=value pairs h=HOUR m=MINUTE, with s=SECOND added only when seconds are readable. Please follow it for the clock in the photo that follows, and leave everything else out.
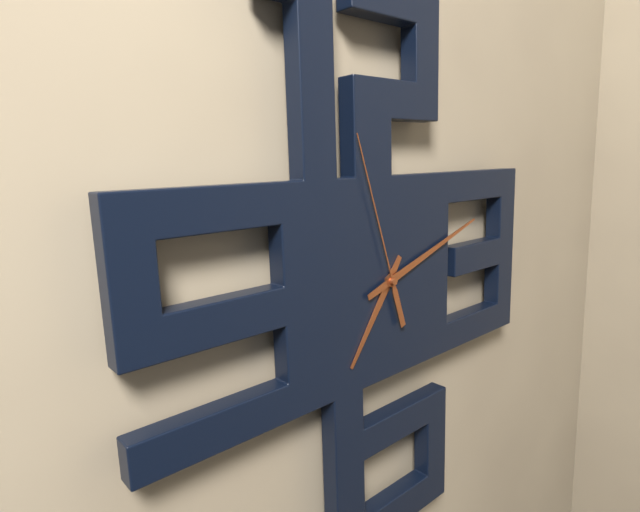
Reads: h=7 m=12 s=57
